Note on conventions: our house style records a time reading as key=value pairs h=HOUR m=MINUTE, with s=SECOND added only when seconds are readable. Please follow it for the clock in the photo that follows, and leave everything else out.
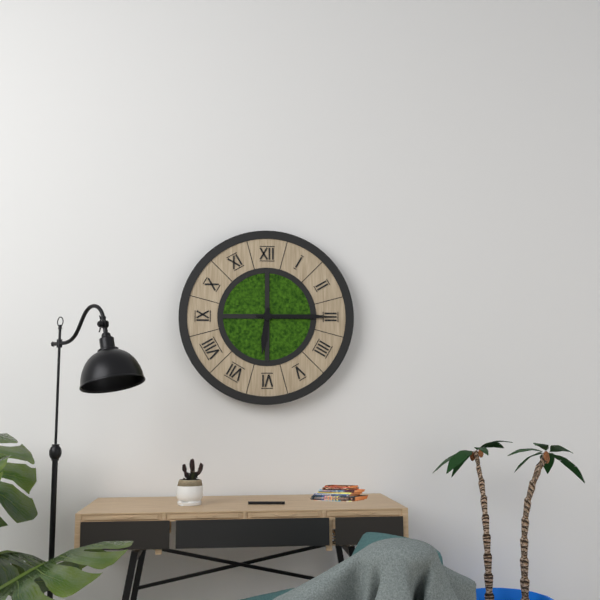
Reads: h=6 m=15
